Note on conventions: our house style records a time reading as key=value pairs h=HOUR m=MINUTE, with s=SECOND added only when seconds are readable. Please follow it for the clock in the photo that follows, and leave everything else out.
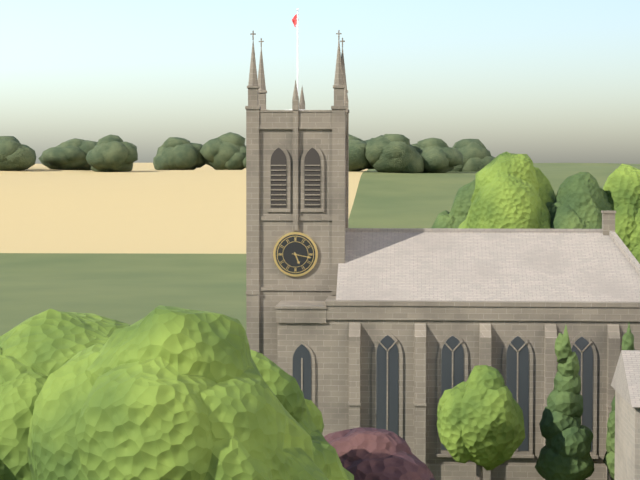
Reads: h=5 m=17
